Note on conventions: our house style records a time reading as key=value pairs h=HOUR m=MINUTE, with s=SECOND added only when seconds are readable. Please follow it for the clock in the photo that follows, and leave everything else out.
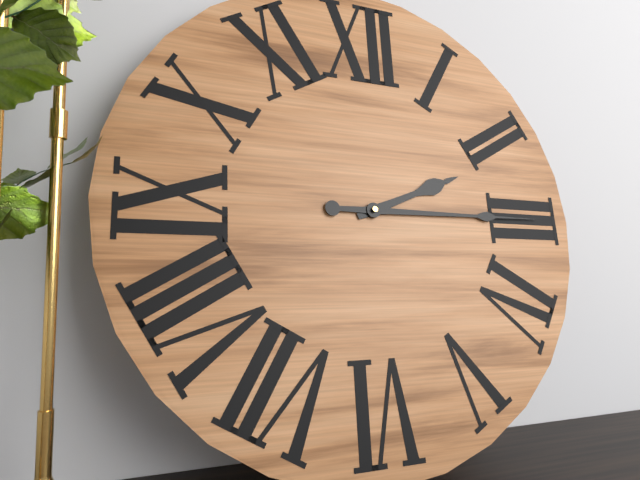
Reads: h=2 m=15
